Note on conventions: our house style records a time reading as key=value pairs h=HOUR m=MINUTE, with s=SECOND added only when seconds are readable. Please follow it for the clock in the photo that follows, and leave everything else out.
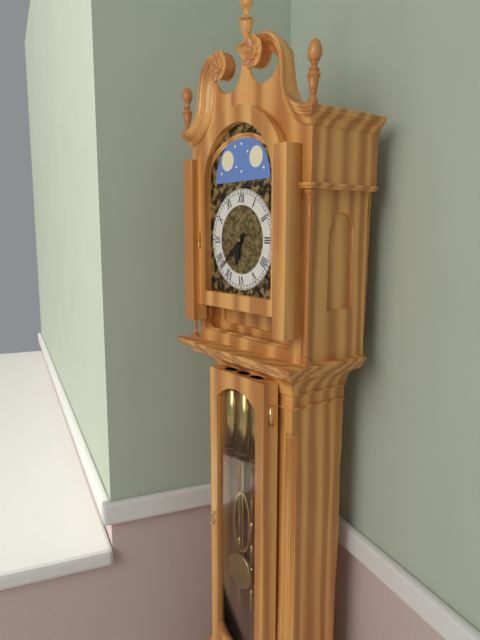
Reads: h=6 m=38
